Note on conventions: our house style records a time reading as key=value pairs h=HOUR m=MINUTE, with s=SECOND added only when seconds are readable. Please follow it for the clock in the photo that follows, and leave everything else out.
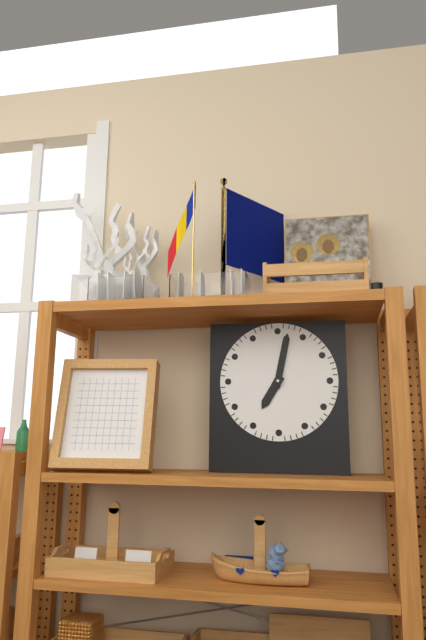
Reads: h=7 m=2
